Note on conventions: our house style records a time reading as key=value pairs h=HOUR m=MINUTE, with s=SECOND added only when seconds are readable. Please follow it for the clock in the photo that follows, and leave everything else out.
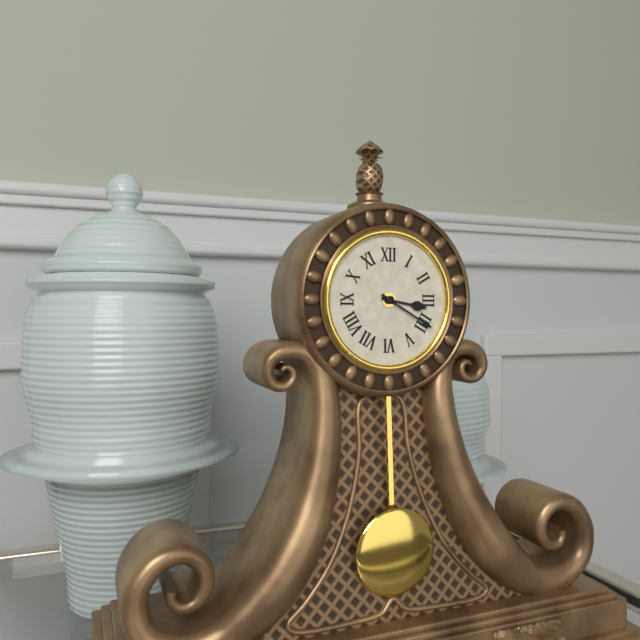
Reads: h=3 m=20
